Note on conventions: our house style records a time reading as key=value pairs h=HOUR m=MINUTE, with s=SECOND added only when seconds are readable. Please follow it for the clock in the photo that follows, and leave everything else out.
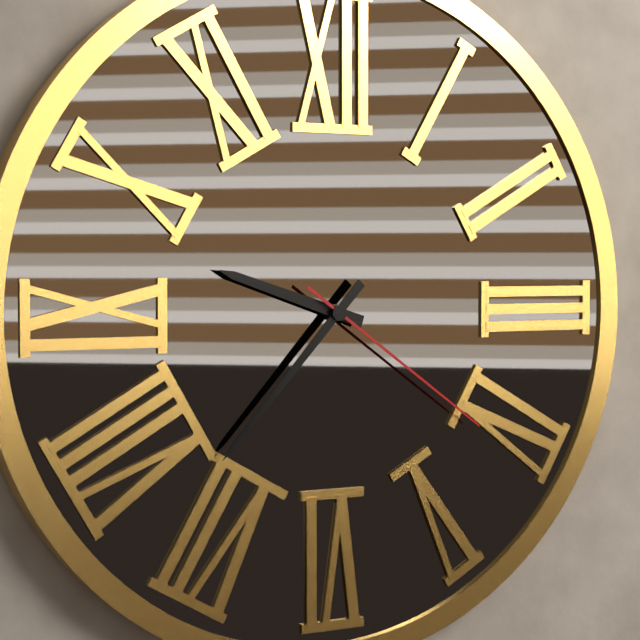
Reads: h=9 m=37 s=21
